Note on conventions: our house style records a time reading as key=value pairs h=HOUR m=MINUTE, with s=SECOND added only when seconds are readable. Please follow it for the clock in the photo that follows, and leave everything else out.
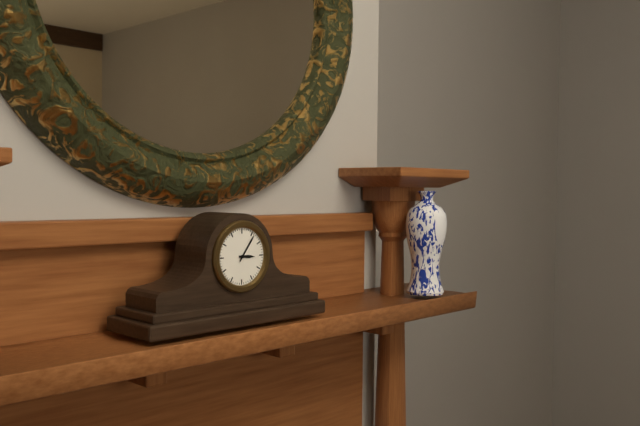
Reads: h=3 m=6
